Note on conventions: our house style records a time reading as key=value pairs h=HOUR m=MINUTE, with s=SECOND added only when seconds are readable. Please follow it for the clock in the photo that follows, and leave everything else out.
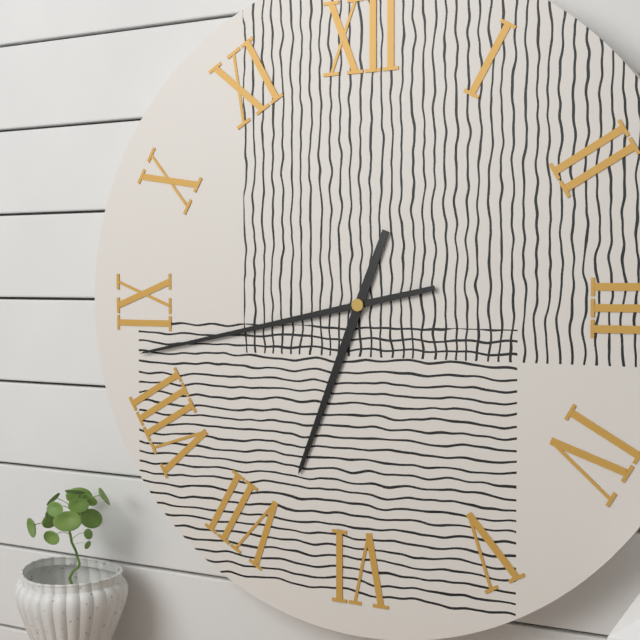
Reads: h=6 m=43
